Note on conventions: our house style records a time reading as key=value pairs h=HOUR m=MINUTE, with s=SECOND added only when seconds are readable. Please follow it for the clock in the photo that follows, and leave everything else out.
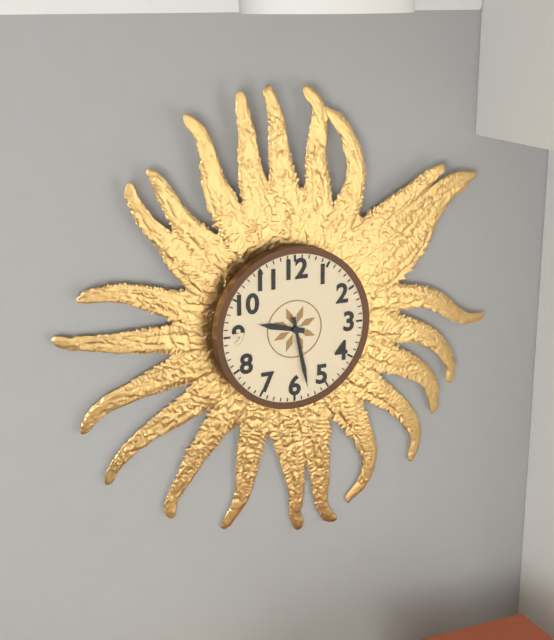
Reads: h=9 m=28
